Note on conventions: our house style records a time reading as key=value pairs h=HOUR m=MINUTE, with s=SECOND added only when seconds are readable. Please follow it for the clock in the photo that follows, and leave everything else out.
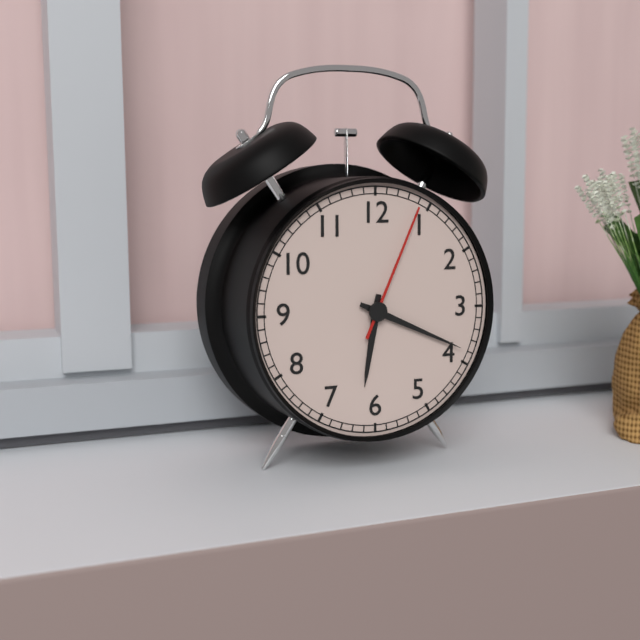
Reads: h=6 m=19 s=4
